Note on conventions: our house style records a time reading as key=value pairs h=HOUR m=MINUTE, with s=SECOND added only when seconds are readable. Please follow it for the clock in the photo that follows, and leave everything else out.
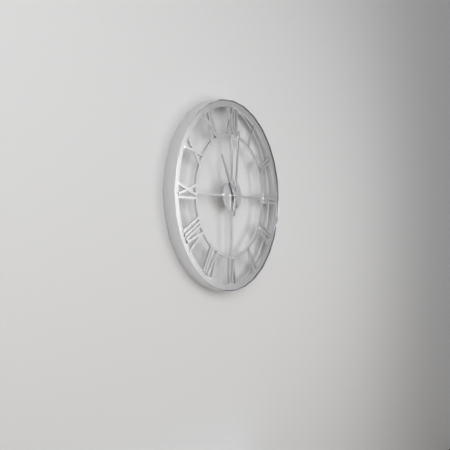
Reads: h=11 m=1
